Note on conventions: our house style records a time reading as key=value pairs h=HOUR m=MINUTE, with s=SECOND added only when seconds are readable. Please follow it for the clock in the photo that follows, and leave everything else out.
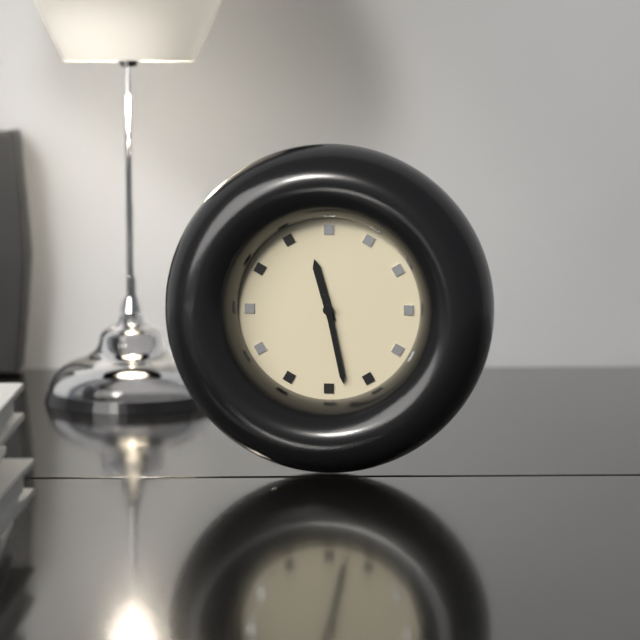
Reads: h=11 m=28
